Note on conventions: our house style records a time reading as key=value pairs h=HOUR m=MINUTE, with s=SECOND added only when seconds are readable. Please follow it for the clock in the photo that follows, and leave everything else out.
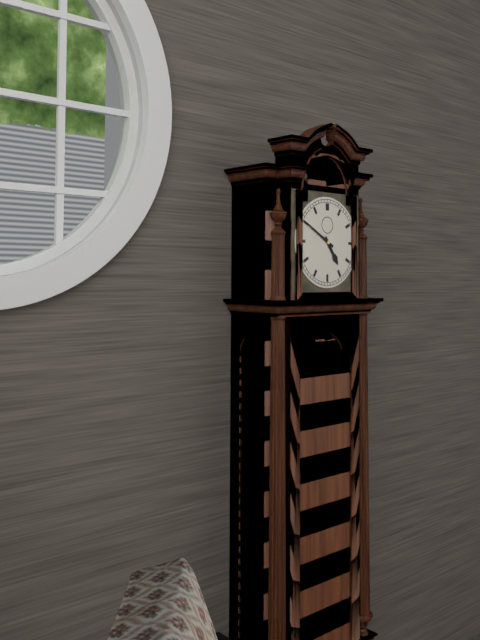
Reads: h=4 m=50
